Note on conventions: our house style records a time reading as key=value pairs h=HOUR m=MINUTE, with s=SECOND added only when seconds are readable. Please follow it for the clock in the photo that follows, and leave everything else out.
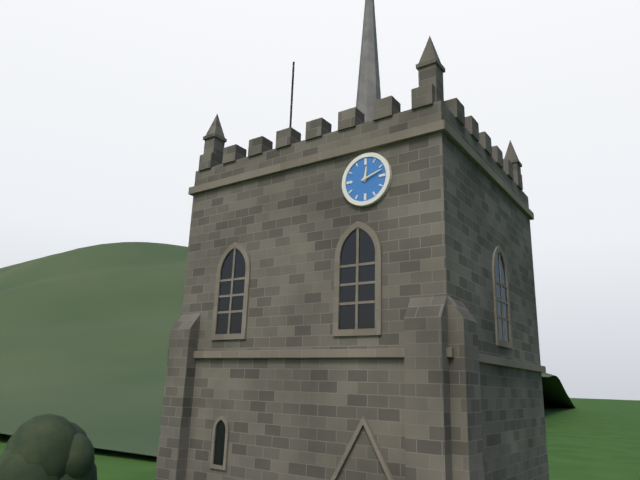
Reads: h=12 m=12
